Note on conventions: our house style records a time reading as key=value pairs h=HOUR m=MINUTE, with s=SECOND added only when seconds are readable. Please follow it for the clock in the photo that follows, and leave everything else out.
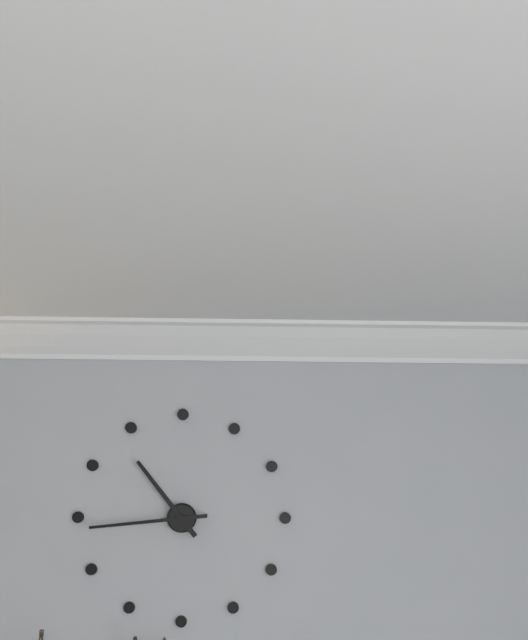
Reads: h=10 m=44
